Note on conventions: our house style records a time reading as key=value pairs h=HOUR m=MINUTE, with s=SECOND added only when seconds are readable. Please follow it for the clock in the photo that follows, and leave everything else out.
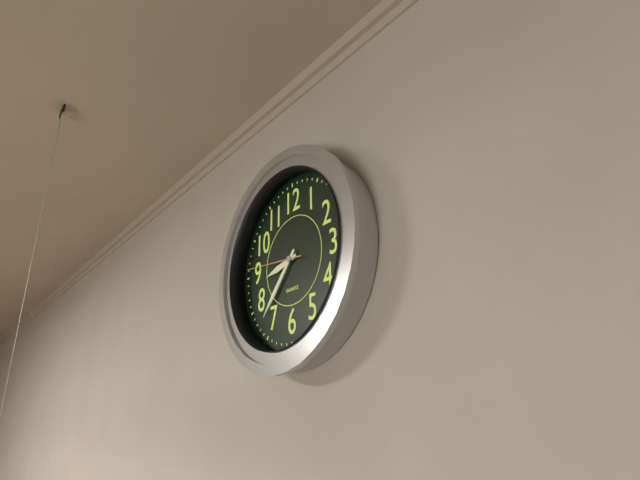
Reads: h=8 m=37 s=46
